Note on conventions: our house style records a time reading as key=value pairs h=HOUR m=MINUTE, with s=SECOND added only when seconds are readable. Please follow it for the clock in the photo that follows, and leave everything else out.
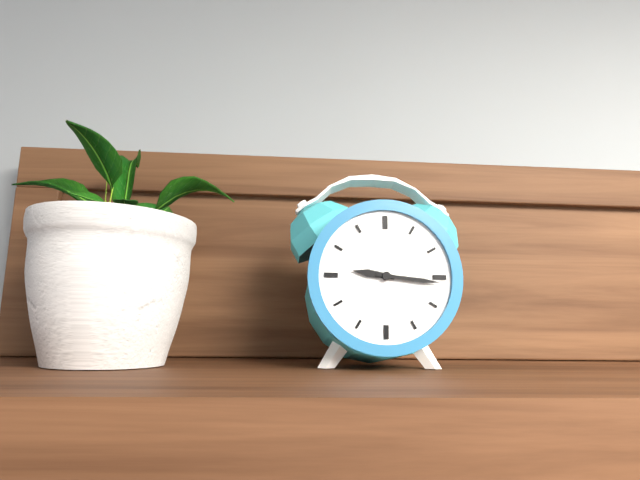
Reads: h=9 m=16
